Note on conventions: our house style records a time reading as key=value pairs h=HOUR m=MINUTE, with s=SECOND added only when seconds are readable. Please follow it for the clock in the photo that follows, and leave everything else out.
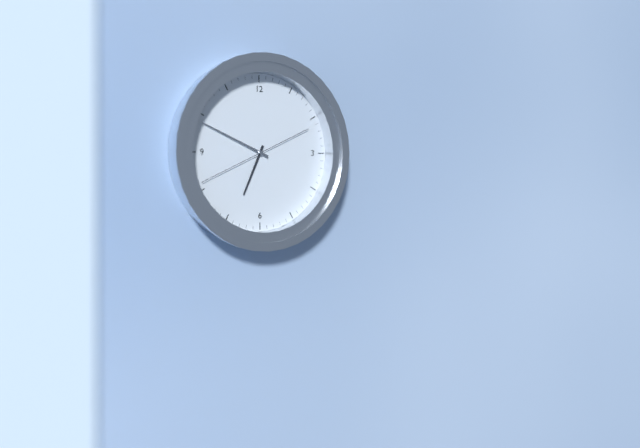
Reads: h=6 m=49 s=41
